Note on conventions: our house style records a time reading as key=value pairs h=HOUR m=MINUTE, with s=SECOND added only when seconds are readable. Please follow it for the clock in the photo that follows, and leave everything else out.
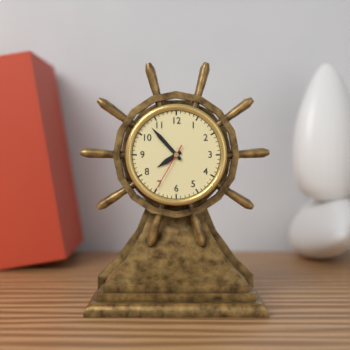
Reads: h=7 m=53
